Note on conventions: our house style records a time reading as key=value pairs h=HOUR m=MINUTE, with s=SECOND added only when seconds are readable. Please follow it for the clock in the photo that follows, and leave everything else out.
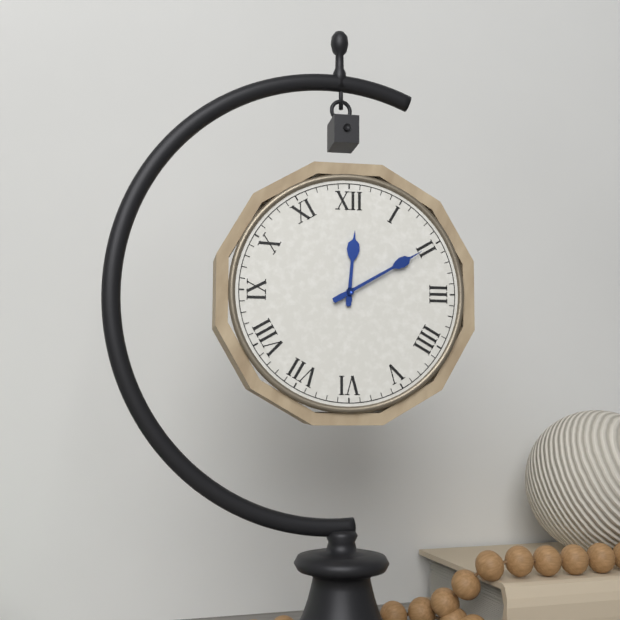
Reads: h=12 m=10
